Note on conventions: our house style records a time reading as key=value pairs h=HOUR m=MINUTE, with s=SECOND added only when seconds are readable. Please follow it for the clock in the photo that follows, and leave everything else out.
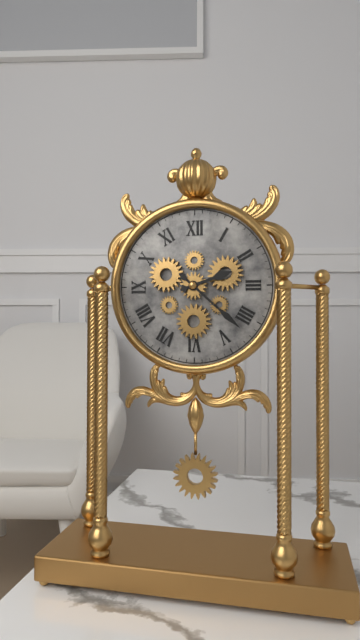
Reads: h=2 m=22
